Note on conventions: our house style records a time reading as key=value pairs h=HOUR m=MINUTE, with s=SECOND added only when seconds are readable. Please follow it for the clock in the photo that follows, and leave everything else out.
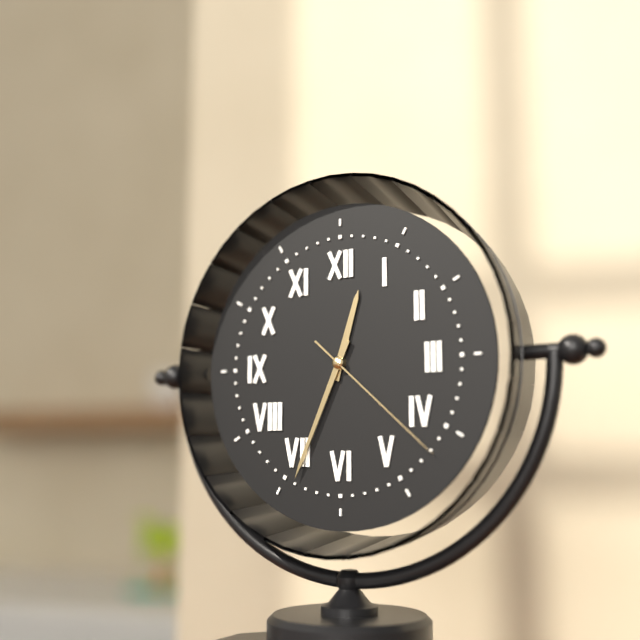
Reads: h=12 m=34 s=22
